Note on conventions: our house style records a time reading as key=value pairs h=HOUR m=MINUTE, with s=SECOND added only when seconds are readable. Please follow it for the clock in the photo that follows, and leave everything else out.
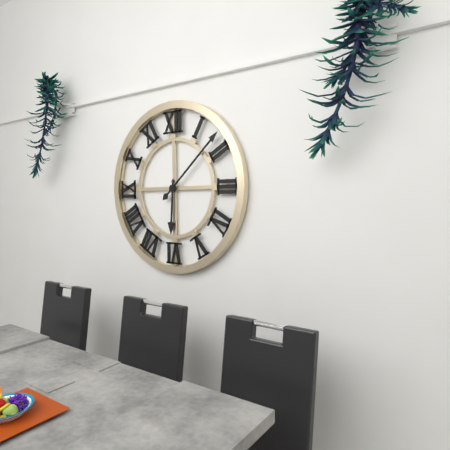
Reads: h=6 m=8
